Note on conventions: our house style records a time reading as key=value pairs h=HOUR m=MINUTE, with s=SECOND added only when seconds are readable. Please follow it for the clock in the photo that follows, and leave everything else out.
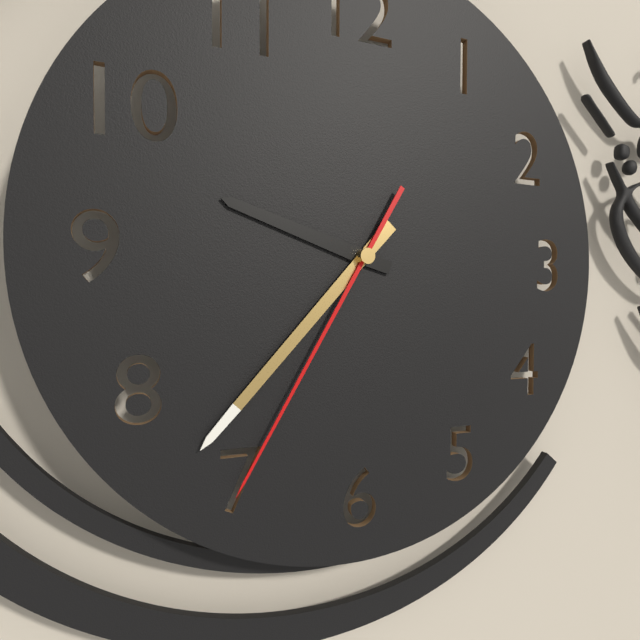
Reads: h=9 m=37 s=35
